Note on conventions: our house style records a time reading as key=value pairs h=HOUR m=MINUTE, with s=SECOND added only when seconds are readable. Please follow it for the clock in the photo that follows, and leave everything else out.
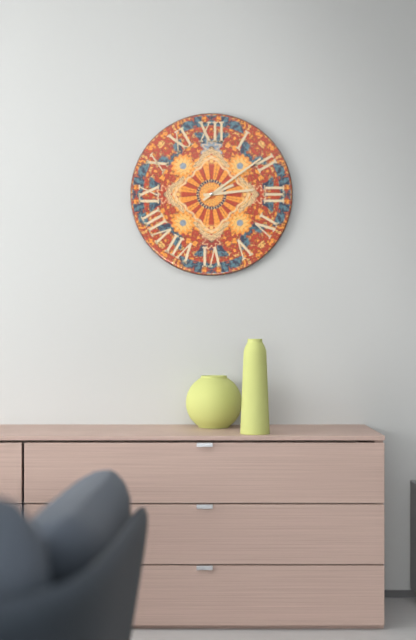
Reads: h=2 m=14 s=9
